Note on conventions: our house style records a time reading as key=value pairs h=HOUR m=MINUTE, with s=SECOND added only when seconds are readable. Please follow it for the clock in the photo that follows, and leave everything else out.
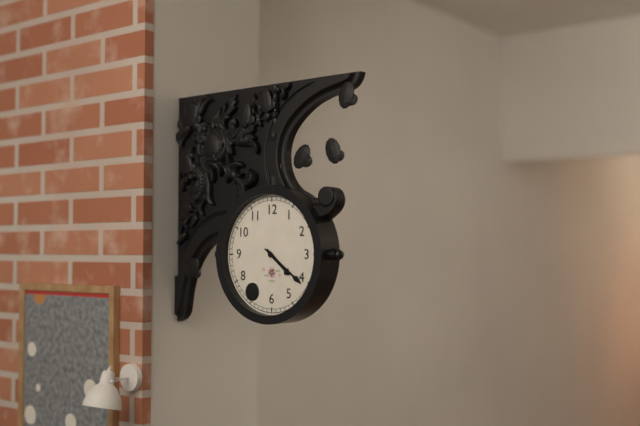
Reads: h=4 m=21
